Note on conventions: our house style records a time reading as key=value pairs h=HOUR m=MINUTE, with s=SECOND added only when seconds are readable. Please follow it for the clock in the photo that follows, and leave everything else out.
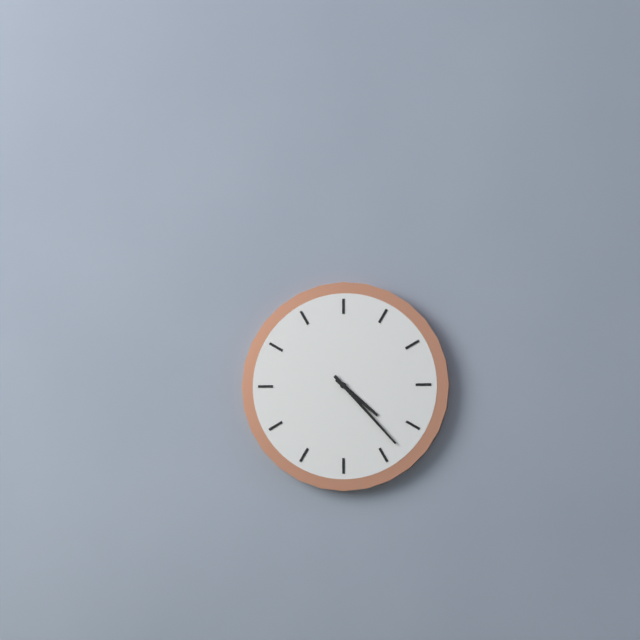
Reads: h=4 m=23
